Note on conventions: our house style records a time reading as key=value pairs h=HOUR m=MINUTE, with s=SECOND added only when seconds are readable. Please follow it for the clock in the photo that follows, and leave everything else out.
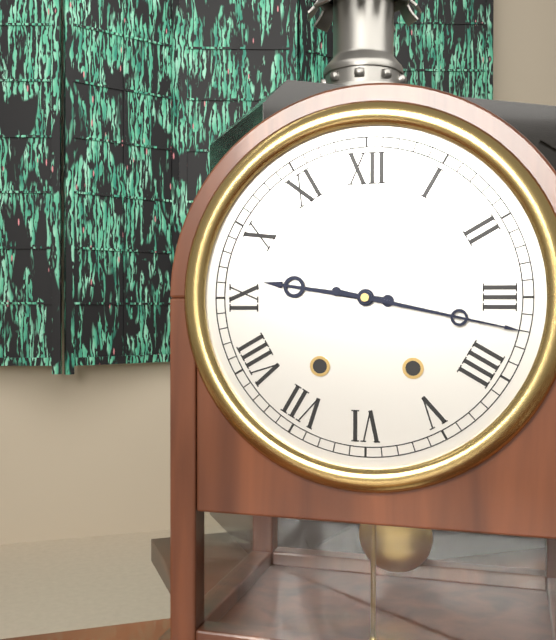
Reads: h=9 m=17
